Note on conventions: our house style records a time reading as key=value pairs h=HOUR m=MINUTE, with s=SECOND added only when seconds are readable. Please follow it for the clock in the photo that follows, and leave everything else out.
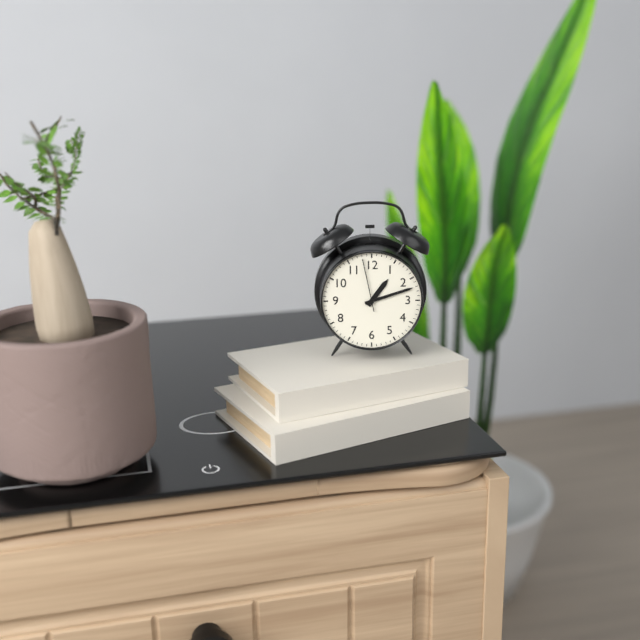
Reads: h=1 m=12 s=58
